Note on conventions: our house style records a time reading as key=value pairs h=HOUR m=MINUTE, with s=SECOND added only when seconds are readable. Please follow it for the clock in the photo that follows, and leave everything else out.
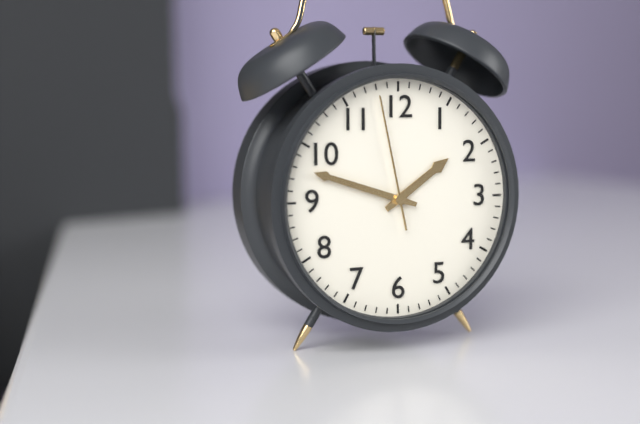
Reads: h=1 m=48 s=58
